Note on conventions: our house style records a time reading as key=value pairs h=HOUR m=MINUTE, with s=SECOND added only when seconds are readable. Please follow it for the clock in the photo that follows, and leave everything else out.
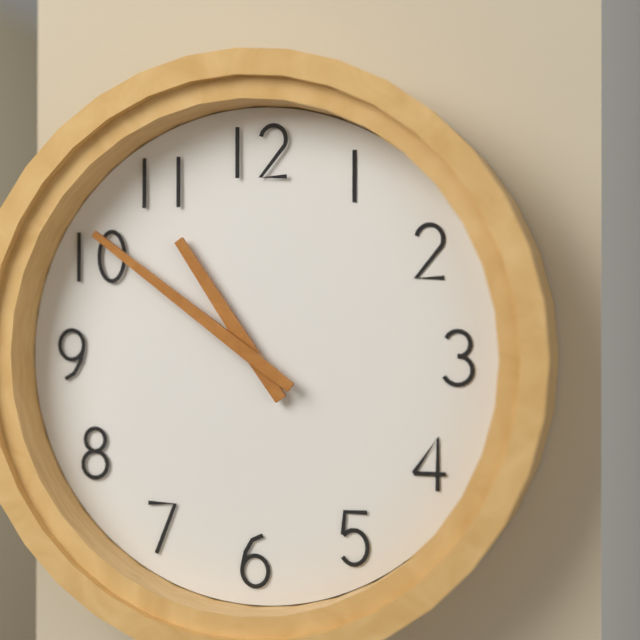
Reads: h=10 m=51
